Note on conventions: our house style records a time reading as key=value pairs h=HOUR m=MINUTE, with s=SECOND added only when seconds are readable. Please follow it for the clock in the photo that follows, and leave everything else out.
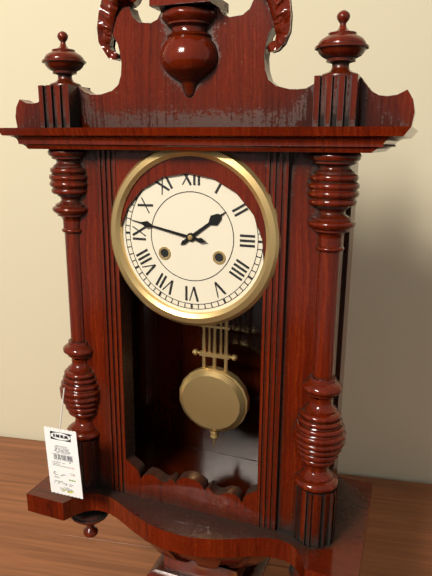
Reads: h=1 m=47
